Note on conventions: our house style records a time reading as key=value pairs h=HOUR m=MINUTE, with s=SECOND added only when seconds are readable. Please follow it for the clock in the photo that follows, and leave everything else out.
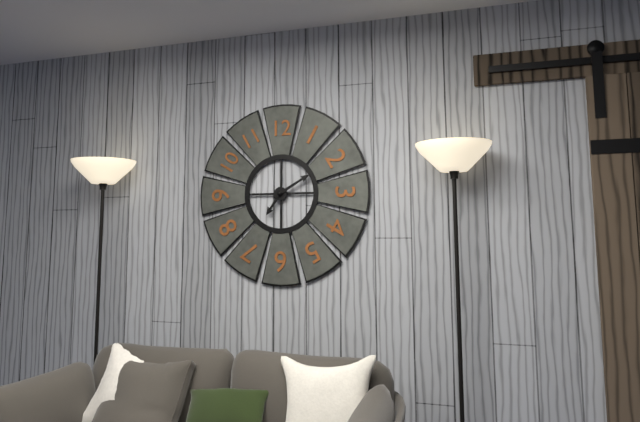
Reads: h=7 m=10
